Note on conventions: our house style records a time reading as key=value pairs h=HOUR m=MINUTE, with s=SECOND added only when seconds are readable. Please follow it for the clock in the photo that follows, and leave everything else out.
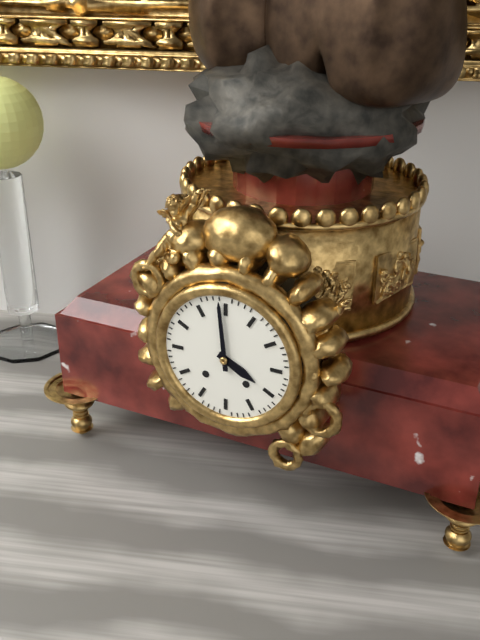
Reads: h=3 m=59
